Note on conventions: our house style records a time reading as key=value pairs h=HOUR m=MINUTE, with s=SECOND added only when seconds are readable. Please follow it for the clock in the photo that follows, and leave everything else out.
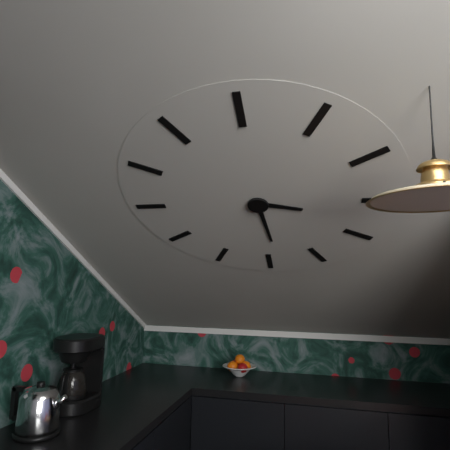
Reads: h=3 m=29
